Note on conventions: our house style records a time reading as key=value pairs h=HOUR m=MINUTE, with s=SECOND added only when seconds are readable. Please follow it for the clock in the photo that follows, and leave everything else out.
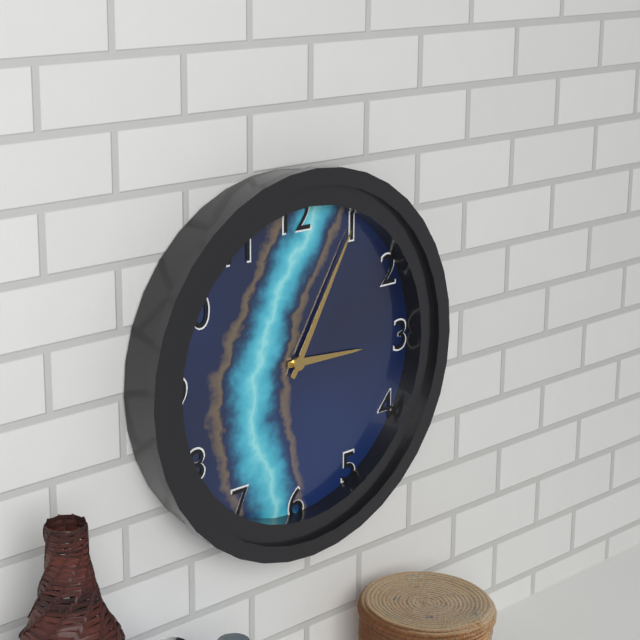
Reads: h=3 m=5
